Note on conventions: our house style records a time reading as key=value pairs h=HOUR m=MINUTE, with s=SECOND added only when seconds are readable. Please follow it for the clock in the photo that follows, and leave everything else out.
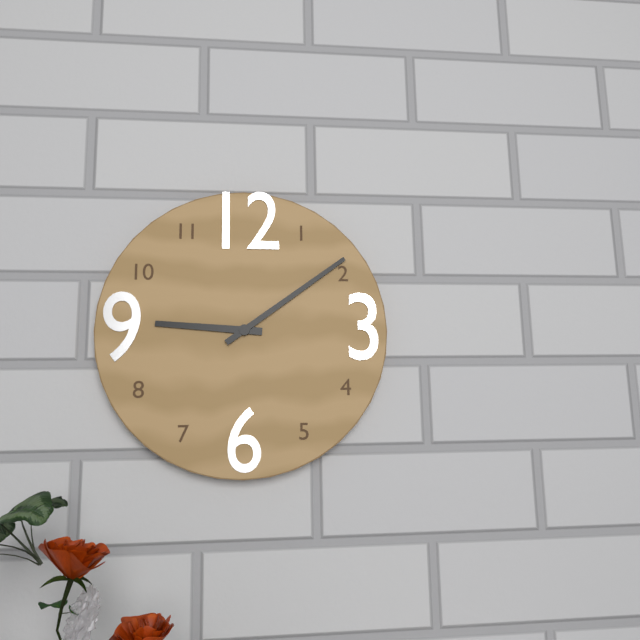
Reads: h=9 m=9
